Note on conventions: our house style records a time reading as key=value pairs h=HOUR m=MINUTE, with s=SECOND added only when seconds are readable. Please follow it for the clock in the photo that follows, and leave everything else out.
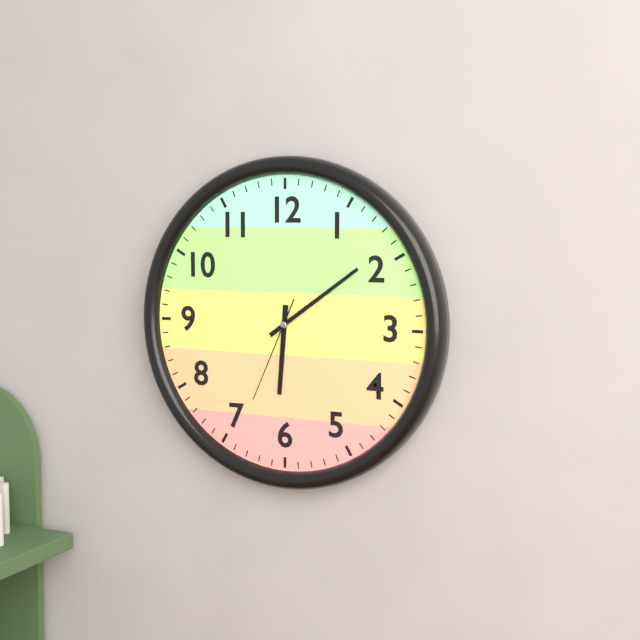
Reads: h=6 m=9 s=34
